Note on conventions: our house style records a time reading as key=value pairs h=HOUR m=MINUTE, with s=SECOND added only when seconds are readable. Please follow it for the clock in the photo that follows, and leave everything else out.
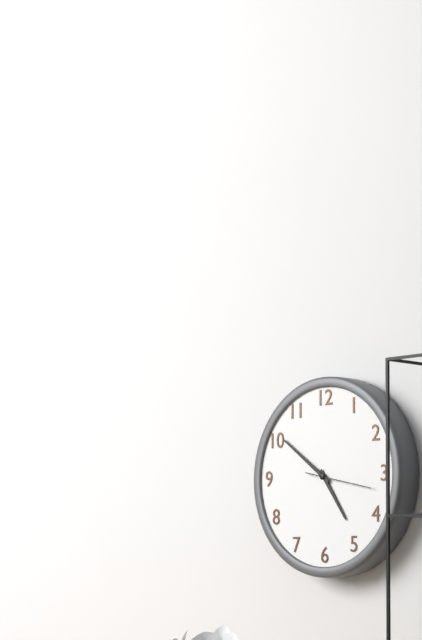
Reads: h=4 m=51 s=17
